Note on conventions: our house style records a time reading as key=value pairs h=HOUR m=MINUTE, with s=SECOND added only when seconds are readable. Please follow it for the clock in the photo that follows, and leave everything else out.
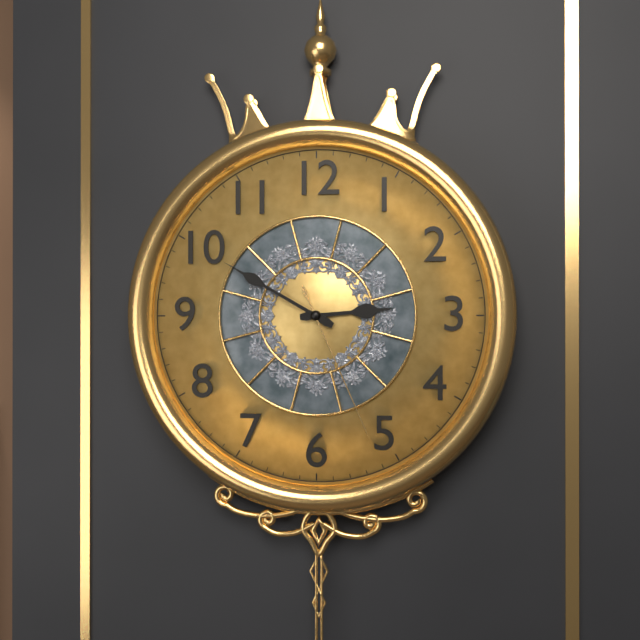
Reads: h=2 m=50 s=26
